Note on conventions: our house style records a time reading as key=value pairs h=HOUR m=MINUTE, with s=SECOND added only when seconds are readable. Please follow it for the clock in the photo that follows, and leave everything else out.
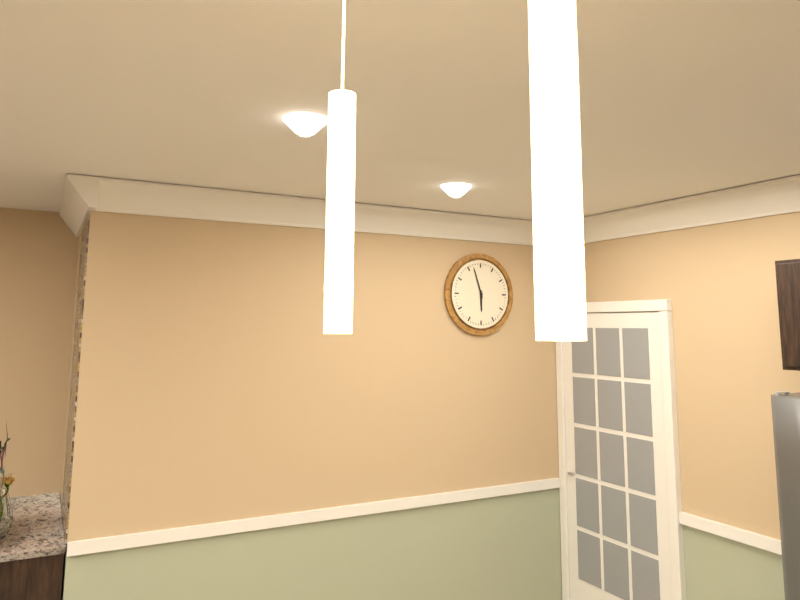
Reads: h=5 m=57
